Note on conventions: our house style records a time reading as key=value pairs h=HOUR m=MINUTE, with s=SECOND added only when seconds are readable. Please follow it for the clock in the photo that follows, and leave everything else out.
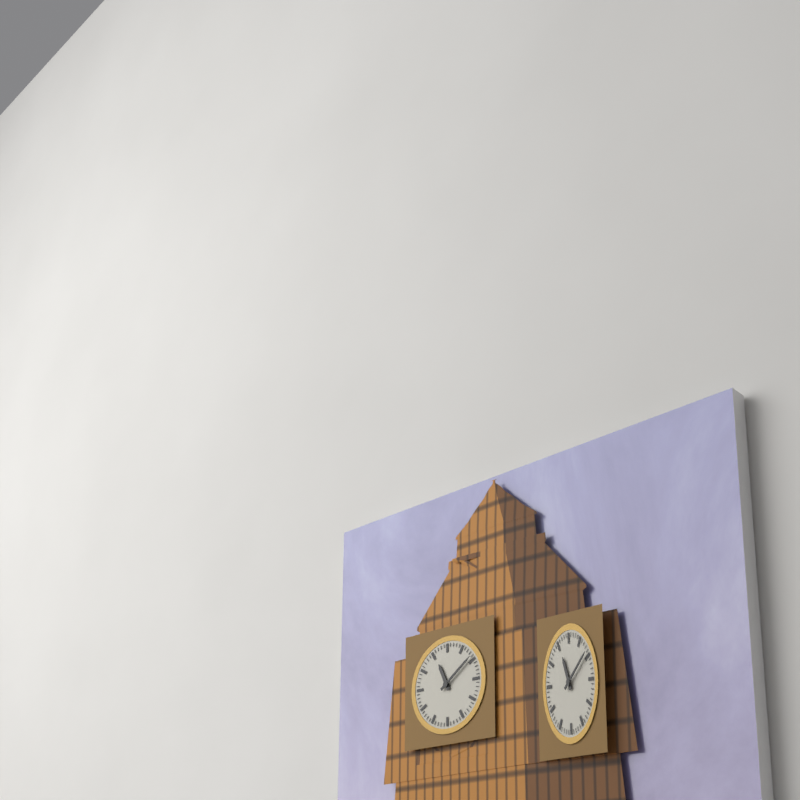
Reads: h=11 m=9
